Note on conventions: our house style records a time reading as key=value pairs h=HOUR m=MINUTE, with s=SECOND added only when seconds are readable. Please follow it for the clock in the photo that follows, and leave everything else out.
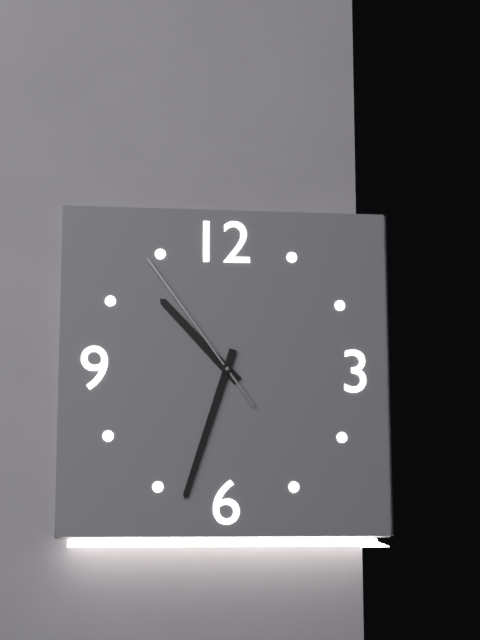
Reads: h=10 m=33 s=54
